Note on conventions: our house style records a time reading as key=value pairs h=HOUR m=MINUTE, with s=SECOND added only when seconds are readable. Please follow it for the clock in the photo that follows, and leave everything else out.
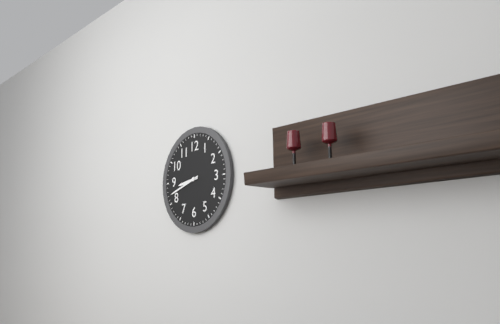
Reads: h=8 m=42
